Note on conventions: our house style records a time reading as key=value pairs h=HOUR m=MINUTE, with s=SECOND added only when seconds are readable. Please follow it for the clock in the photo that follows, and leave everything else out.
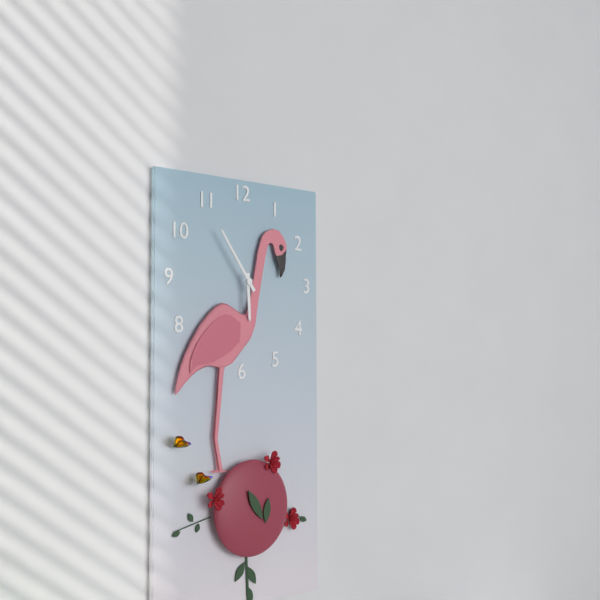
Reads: h=5 m=54
